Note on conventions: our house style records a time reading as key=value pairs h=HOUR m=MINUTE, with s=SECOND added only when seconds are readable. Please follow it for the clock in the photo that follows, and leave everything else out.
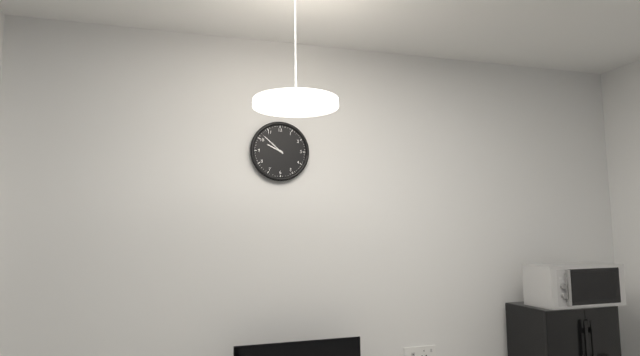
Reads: h=9 m=52
